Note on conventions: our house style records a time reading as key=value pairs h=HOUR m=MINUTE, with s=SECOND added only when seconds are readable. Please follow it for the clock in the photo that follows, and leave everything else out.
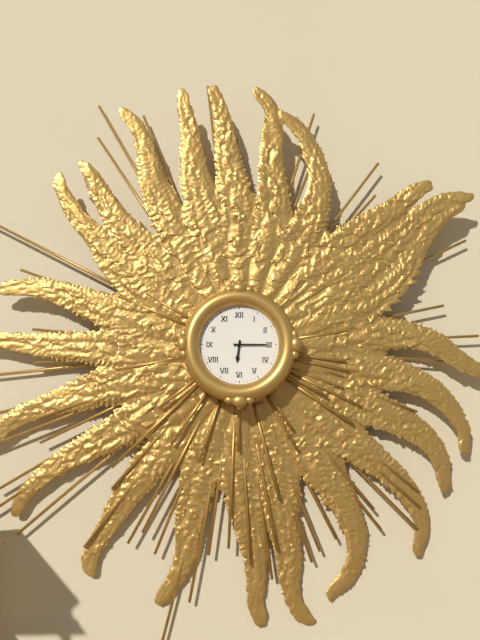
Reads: h=6 m=15
